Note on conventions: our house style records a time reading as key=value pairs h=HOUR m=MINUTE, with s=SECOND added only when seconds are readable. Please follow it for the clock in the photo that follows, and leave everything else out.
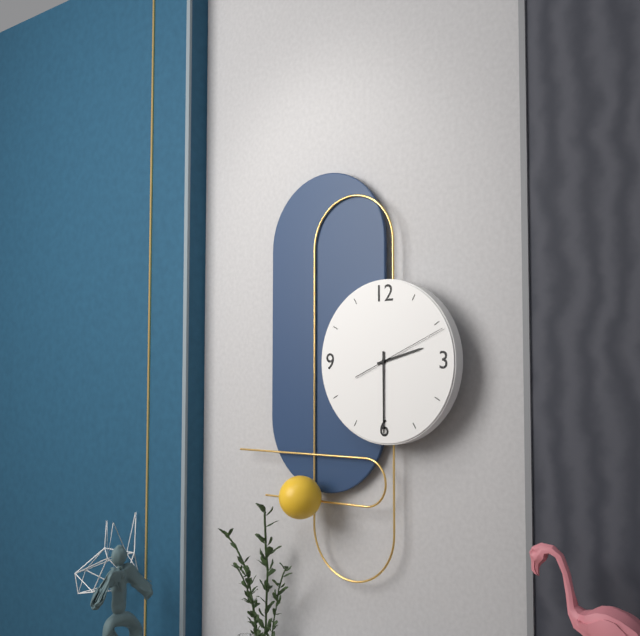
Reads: h=2 m=30 s=11
